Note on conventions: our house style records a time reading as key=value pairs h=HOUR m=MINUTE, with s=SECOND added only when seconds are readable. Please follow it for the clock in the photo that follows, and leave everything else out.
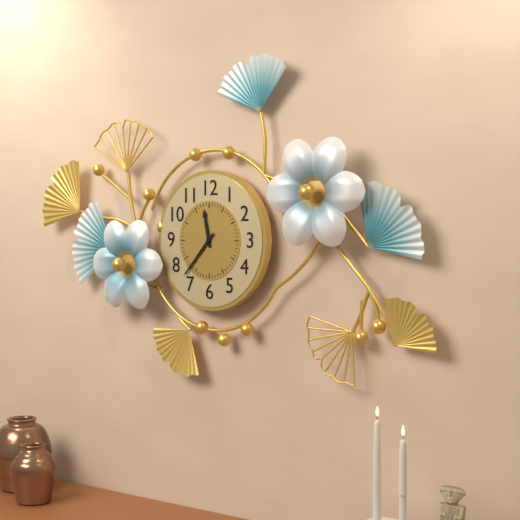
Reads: h=11 m=37
